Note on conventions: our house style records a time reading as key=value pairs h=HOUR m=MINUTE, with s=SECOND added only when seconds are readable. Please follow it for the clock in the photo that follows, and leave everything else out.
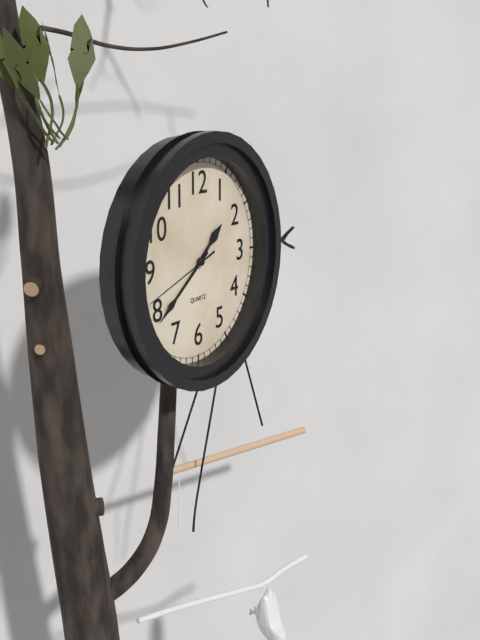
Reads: h=1 m=39 s=42
